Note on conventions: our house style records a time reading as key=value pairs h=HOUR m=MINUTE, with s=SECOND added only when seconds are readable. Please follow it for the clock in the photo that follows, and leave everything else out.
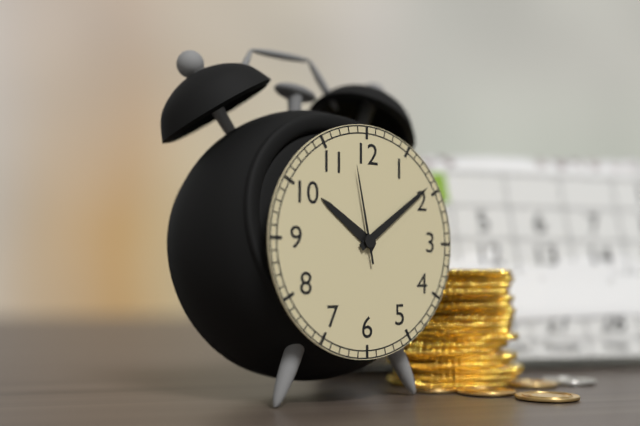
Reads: h=10 m=9 s=58
